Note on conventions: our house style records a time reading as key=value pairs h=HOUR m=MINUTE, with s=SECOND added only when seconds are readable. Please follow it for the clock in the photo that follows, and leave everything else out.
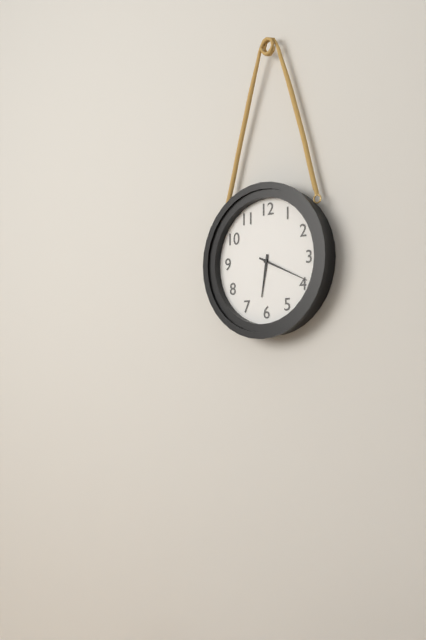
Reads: h=6 m=19
